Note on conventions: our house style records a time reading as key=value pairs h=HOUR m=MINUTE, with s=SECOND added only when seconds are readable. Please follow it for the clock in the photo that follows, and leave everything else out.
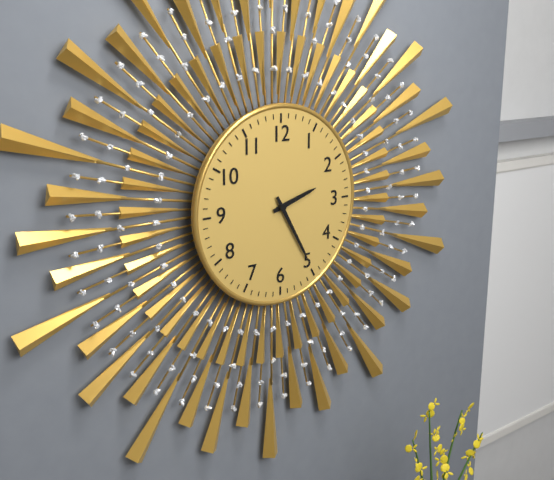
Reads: h=2 m=25
